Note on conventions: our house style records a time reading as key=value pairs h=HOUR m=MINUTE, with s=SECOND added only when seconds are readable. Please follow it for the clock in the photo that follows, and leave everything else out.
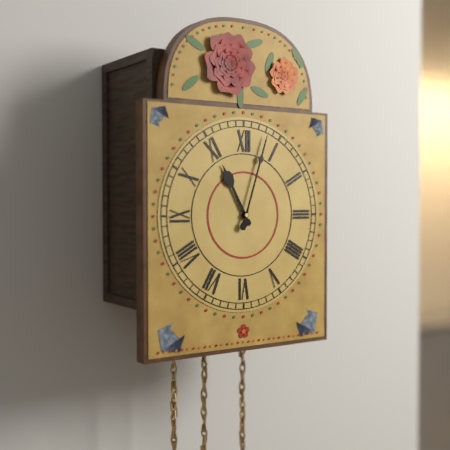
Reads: h=11 m=3
